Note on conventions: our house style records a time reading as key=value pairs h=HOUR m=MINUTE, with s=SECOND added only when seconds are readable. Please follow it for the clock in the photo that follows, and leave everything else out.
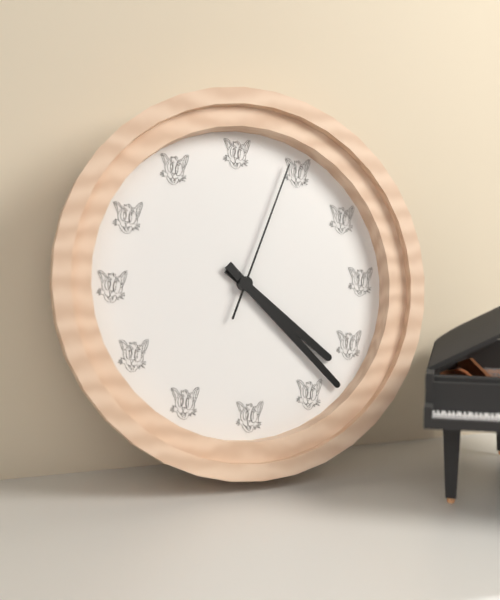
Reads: h=4 m=23 s=4
